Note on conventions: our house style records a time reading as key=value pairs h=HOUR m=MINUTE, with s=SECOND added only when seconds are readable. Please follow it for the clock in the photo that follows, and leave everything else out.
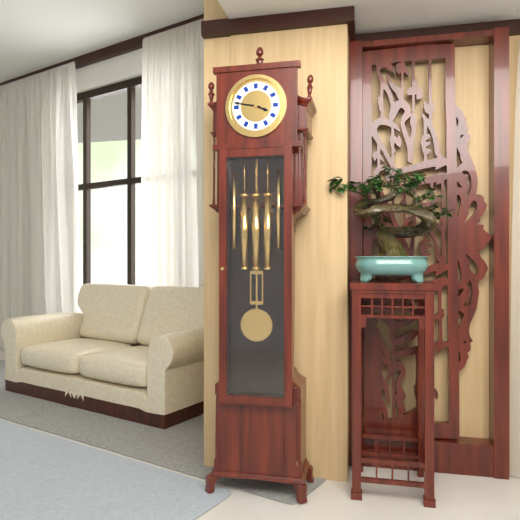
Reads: h=3 m=47
